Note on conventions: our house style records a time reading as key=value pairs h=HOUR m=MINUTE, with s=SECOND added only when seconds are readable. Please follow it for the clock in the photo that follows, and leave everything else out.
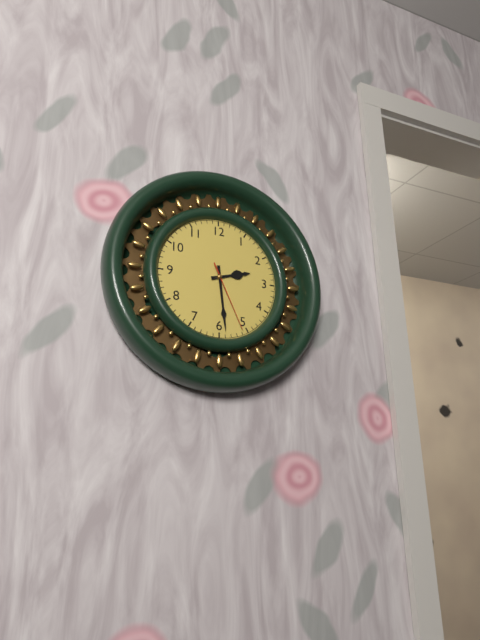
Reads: h=2 m=29 s=26
